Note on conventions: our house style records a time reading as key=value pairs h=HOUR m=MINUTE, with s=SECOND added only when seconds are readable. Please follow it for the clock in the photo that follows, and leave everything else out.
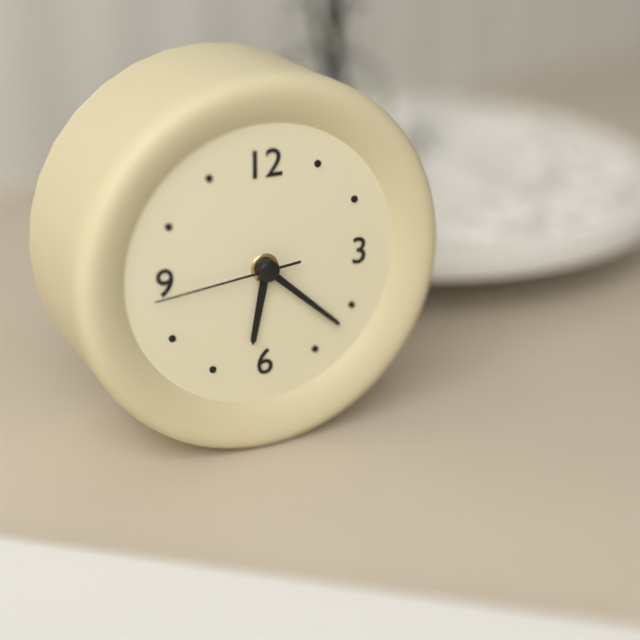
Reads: h=6 m=22 s=44
